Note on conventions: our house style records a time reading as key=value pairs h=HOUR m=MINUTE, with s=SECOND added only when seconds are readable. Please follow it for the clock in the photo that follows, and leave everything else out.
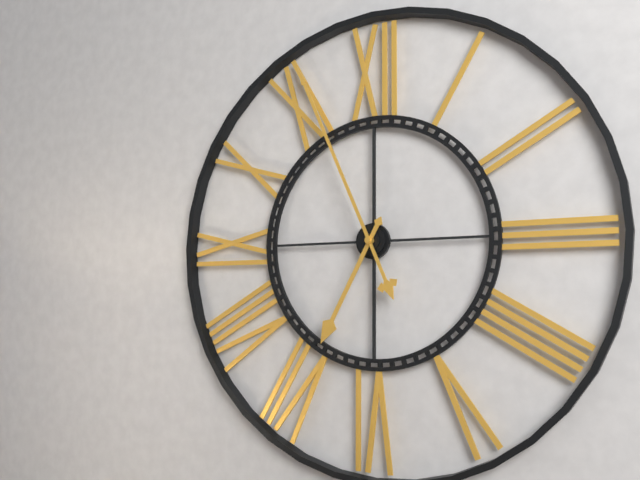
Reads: h=6 m=56
